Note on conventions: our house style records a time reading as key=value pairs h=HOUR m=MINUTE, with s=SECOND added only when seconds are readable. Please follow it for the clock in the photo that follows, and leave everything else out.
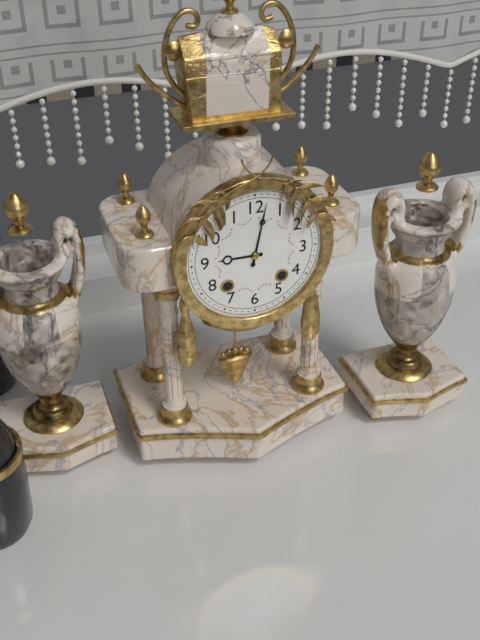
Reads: h=9 m=2
